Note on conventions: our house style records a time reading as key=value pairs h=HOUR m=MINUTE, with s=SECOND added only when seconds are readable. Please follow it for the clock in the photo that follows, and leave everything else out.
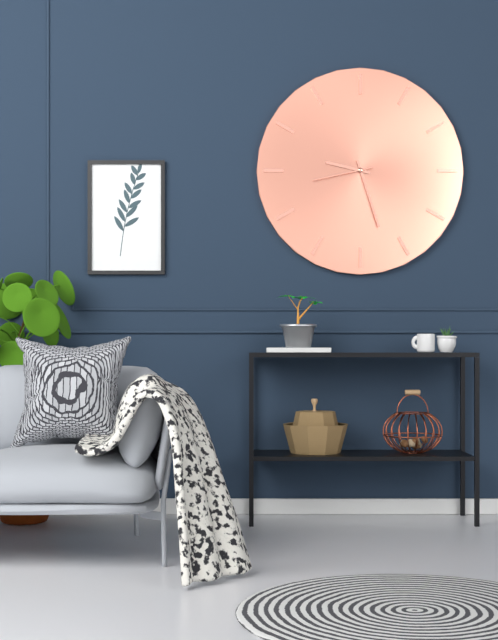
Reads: h=9 m=27 s=43
